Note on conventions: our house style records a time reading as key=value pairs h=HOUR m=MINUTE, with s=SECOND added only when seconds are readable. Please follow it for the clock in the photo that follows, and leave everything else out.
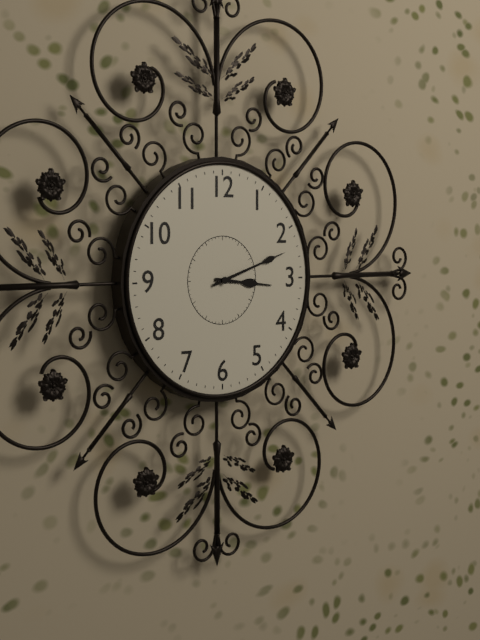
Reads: h=3 m=12
